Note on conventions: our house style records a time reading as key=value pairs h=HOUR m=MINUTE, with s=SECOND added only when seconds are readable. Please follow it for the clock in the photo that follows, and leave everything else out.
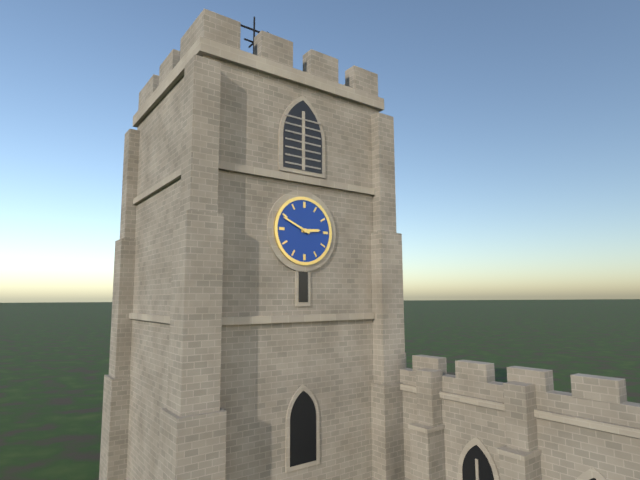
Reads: h=2 m=49
